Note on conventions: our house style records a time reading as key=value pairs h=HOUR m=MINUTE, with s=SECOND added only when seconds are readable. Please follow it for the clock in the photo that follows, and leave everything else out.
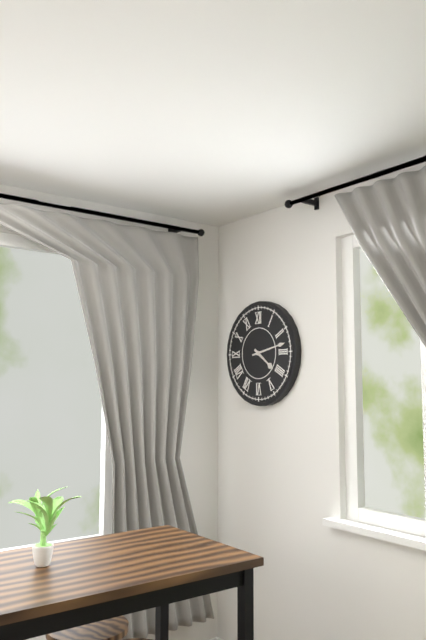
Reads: h=4 m=13
